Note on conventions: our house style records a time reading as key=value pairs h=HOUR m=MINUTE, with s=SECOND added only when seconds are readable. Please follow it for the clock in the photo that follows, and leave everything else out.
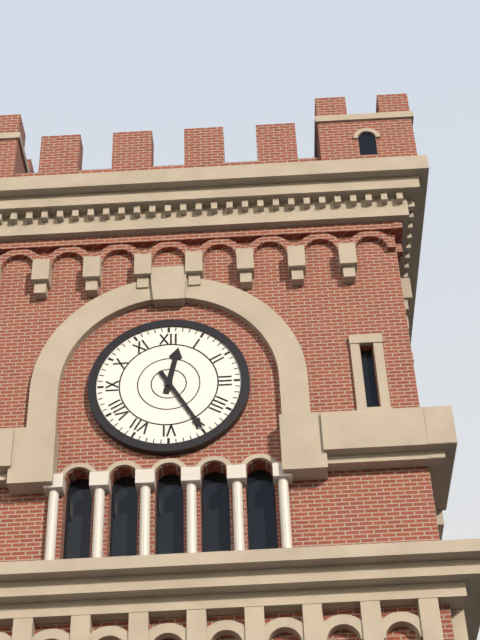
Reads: h=12 m=25
